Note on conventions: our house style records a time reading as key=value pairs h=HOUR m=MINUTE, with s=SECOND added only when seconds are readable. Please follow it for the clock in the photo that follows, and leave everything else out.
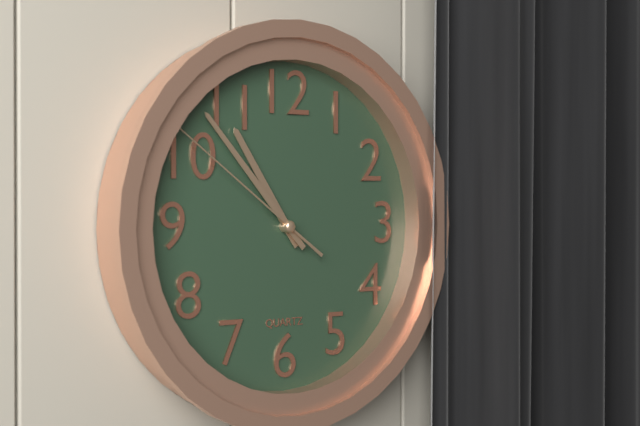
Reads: h=10 m=53 s=51
